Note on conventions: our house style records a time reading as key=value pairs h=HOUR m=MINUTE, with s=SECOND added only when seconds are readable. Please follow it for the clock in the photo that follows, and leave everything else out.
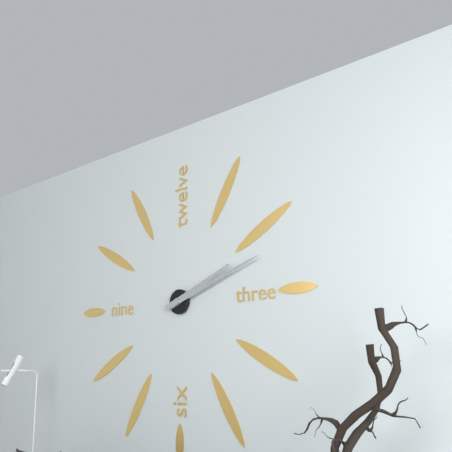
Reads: h=2 m=12
